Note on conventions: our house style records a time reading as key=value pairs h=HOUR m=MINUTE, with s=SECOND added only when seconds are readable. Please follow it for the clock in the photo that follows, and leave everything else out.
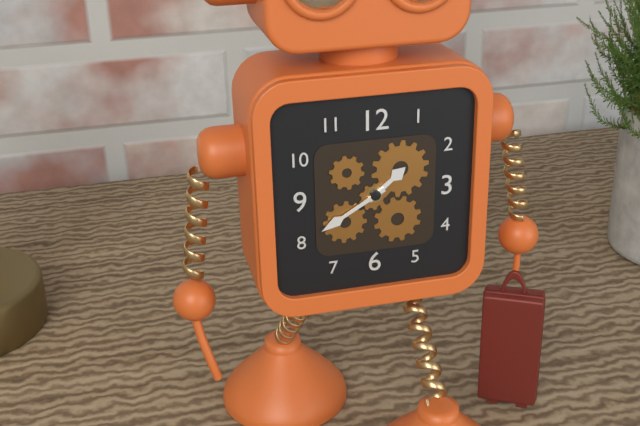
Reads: h=1 m=40
